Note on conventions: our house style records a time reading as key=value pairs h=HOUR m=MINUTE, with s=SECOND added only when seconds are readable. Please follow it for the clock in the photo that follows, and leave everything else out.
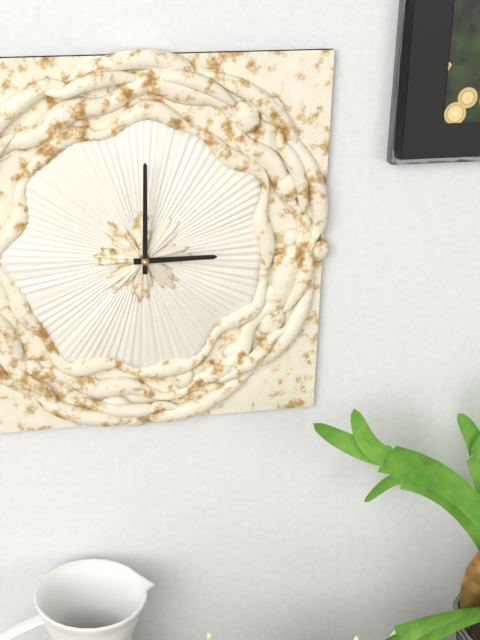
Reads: h=3 m=0
